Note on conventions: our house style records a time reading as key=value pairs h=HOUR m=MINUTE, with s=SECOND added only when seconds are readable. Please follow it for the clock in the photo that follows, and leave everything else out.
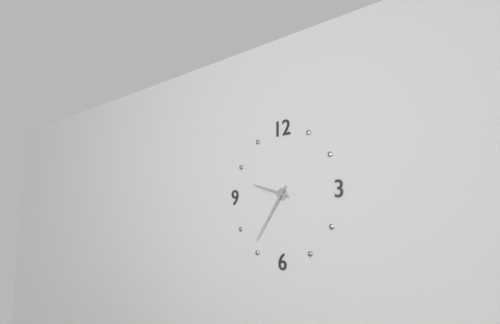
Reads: h=9 m=36
